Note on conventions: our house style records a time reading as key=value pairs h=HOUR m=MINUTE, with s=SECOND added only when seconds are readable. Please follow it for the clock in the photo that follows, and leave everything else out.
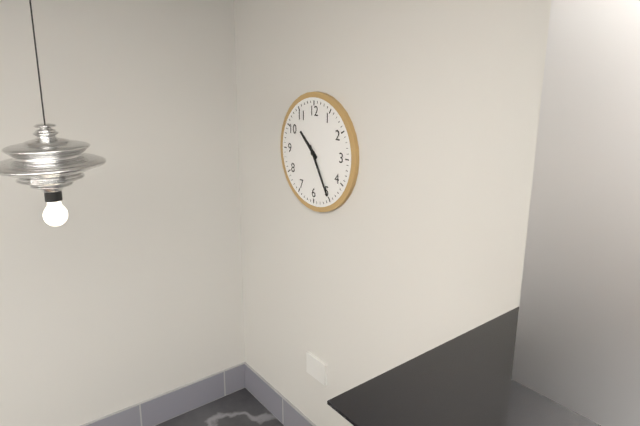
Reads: h=10 m=25
